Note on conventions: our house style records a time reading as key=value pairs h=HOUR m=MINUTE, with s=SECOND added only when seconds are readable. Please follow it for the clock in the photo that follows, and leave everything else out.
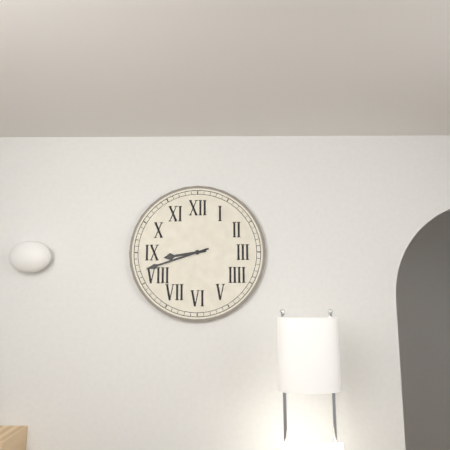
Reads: h=8 m=42
